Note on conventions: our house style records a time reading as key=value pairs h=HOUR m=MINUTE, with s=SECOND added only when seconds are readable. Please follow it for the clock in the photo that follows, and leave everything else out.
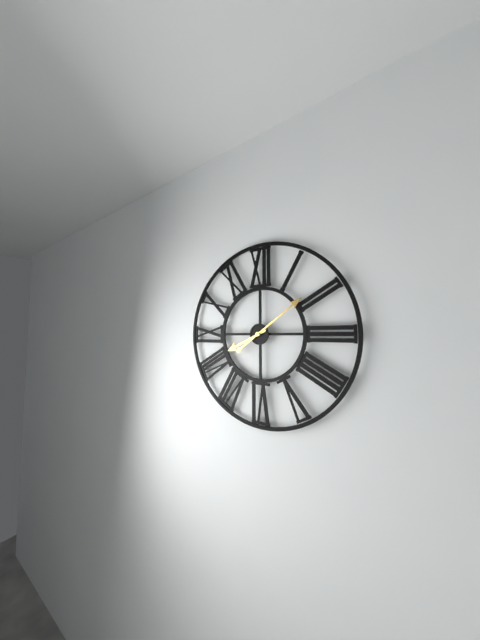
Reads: h=8 m=9
